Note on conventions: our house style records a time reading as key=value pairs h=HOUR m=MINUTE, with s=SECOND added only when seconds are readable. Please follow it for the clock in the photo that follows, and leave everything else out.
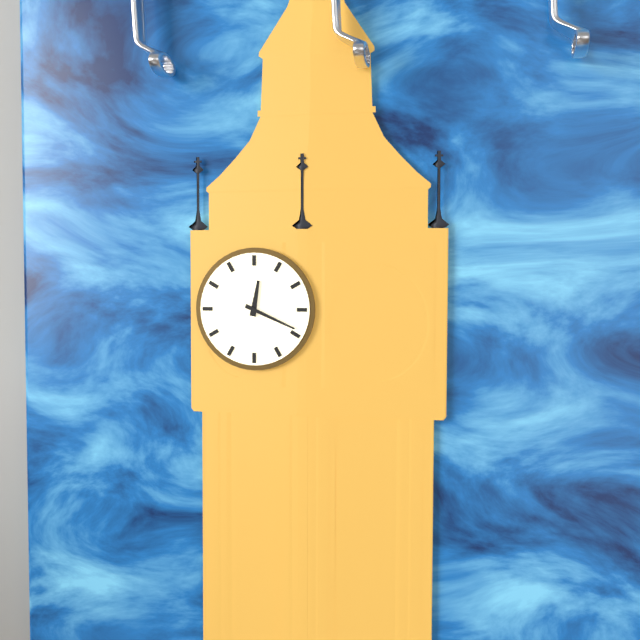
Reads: h=12 m=19
